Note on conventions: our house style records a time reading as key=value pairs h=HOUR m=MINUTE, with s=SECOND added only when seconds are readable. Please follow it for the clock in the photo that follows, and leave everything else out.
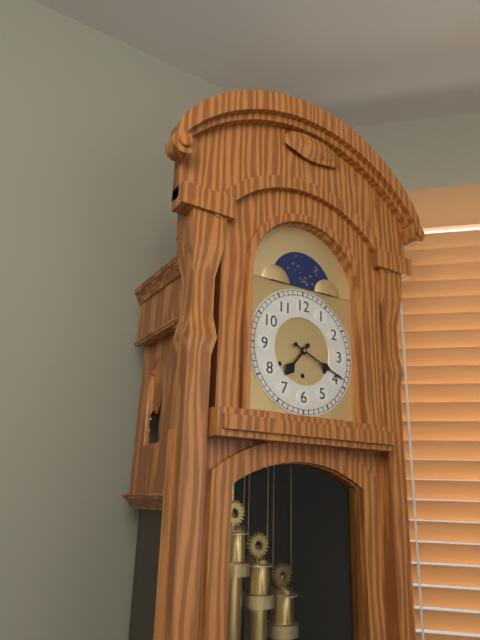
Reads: h=7 m=19
